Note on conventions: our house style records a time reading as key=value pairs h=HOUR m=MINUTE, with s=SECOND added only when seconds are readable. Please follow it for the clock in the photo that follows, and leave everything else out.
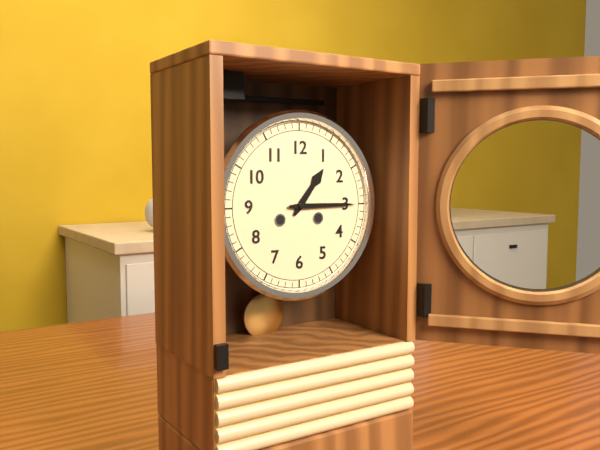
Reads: h=1 m=15
